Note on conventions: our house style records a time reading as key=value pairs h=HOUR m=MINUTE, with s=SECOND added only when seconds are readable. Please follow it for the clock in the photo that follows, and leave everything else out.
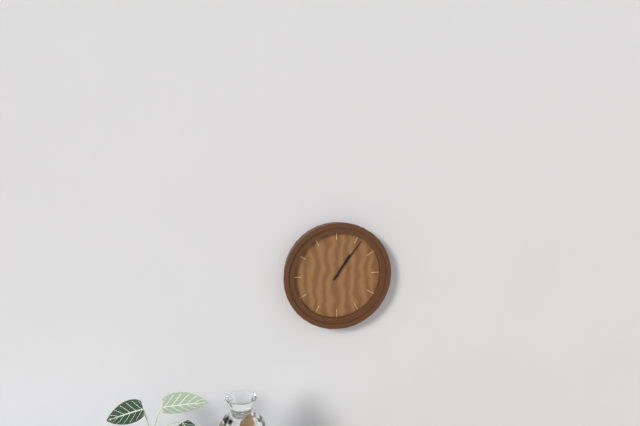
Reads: h=1 m=6
